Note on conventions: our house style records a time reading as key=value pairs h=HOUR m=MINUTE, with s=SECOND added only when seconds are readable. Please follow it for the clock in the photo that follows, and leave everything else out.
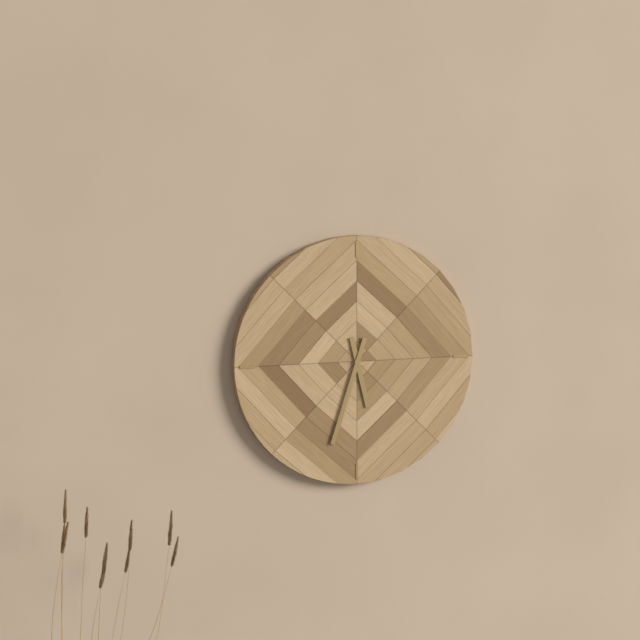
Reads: h=5 m=33
